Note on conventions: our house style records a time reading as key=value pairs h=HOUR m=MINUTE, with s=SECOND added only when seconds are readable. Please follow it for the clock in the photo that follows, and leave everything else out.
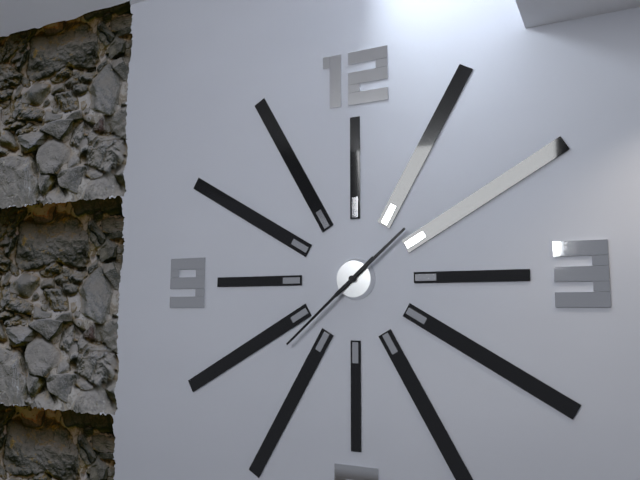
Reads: h=1 m=38
